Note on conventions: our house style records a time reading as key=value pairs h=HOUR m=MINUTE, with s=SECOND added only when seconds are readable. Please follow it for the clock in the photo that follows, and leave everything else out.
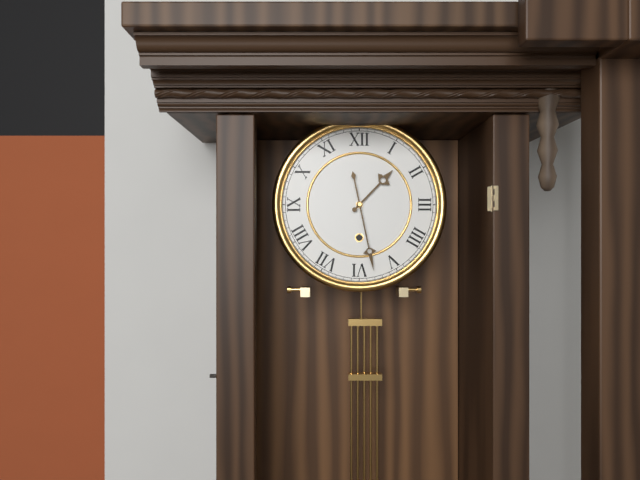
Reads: h=1 m=28
